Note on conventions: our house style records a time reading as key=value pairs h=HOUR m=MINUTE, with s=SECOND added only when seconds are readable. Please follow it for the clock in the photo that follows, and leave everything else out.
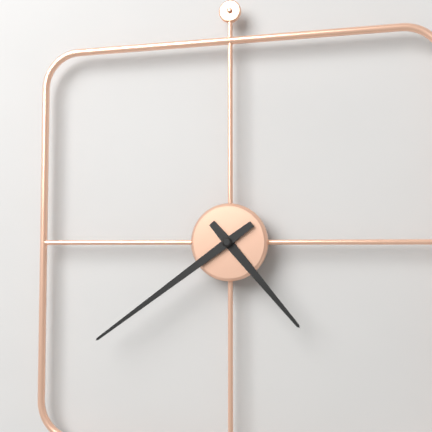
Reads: h=4 m=39
